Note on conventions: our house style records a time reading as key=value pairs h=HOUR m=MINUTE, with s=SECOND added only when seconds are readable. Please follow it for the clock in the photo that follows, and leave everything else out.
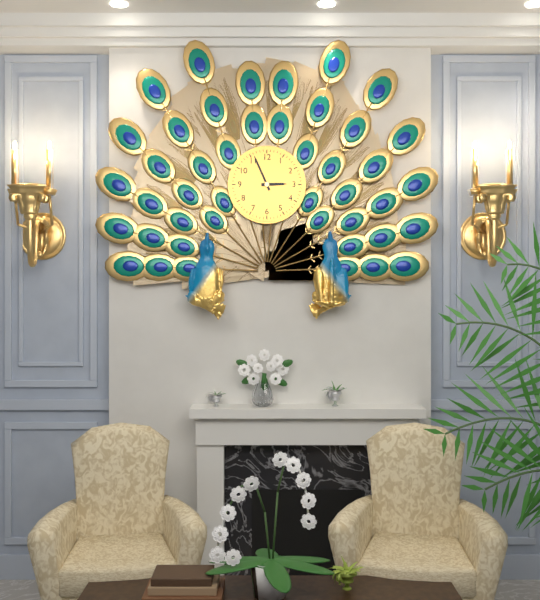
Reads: h=2 m=56
